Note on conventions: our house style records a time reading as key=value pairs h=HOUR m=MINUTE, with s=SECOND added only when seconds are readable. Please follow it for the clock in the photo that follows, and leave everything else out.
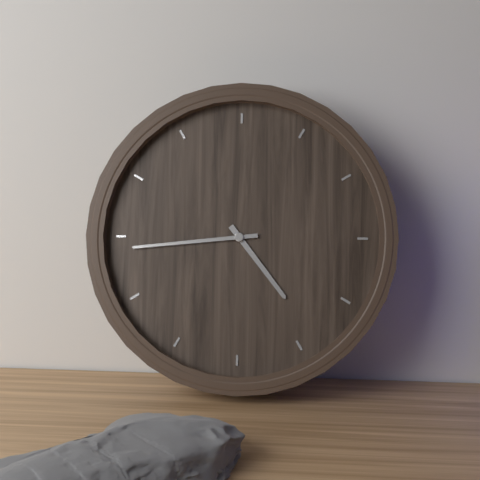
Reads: h=4 m=44
